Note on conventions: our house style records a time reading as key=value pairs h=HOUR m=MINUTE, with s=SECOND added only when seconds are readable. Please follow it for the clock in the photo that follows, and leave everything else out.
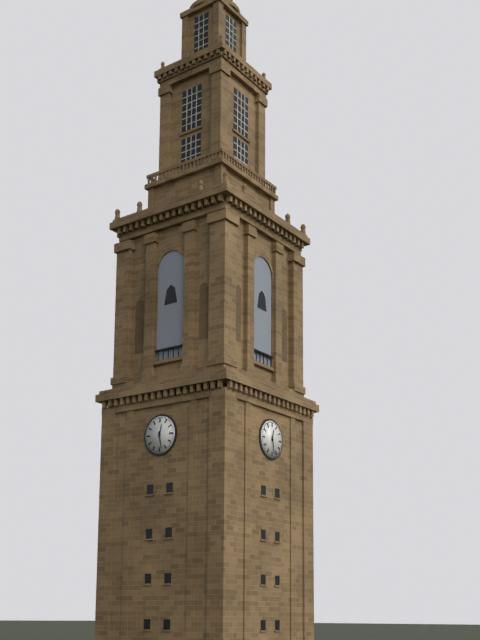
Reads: h=12 m=28
